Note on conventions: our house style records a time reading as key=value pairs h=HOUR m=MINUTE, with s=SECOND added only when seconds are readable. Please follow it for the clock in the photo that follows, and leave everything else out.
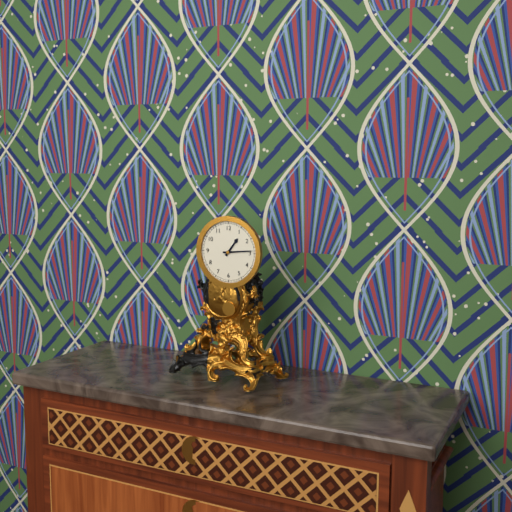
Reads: h=1 m=14
